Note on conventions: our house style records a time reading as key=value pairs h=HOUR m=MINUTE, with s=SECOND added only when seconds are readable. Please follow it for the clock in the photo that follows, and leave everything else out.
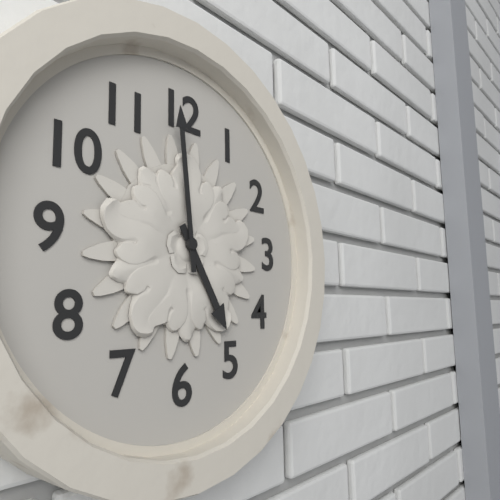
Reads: h=4 m=59
